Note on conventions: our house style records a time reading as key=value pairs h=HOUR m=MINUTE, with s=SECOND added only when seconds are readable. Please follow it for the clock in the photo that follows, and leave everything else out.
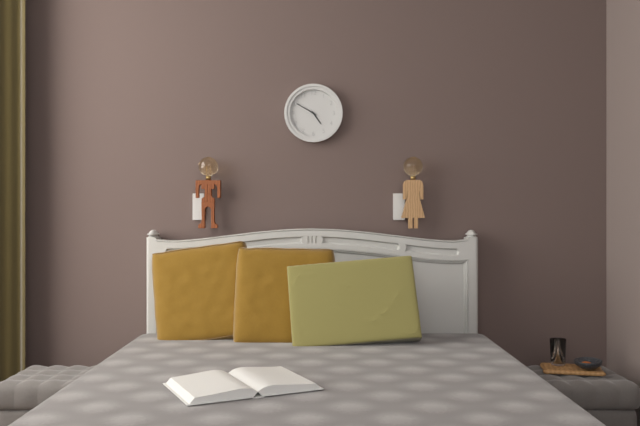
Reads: h=4 m=50
